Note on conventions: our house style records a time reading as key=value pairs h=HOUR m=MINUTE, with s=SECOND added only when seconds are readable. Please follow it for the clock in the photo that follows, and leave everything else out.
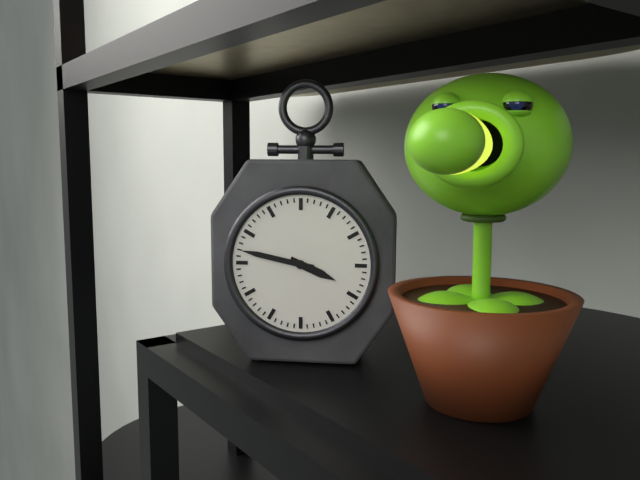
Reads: h=3 m=47
